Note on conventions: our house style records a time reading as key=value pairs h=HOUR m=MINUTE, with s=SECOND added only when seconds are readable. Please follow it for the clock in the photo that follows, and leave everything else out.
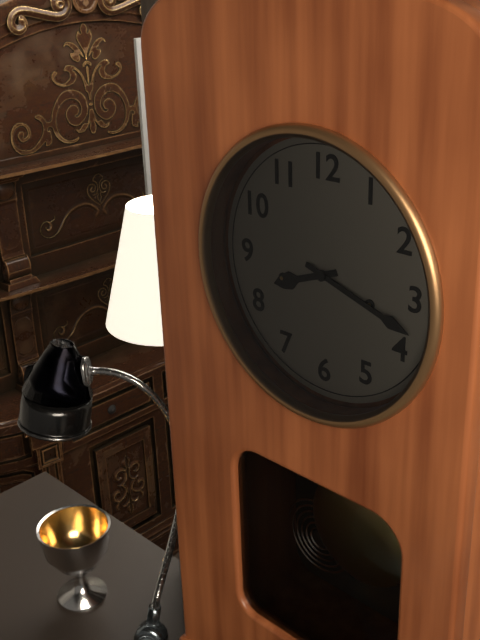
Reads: h=8 m=18
